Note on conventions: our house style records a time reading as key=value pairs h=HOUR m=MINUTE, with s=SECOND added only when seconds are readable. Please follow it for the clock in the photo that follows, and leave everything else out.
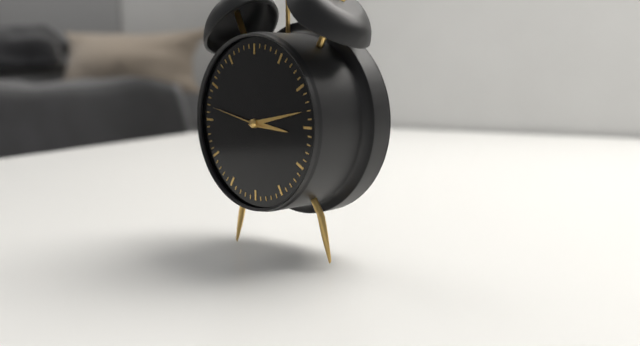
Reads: h=3 m=13 s=47
